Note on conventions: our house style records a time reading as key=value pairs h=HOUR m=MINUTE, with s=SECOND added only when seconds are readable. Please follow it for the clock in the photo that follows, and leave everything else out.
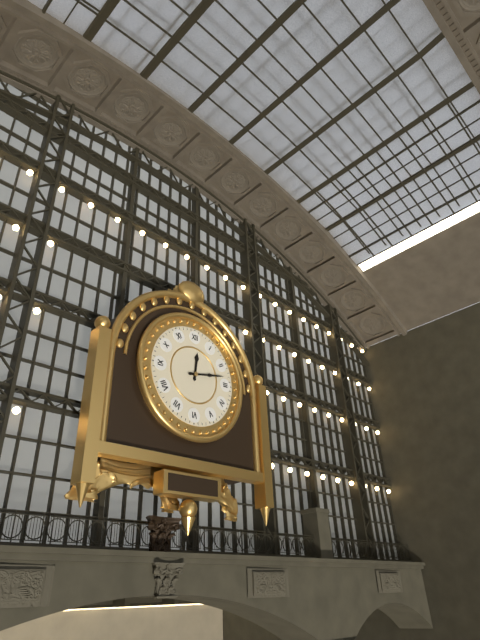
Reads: h=12 m=13
